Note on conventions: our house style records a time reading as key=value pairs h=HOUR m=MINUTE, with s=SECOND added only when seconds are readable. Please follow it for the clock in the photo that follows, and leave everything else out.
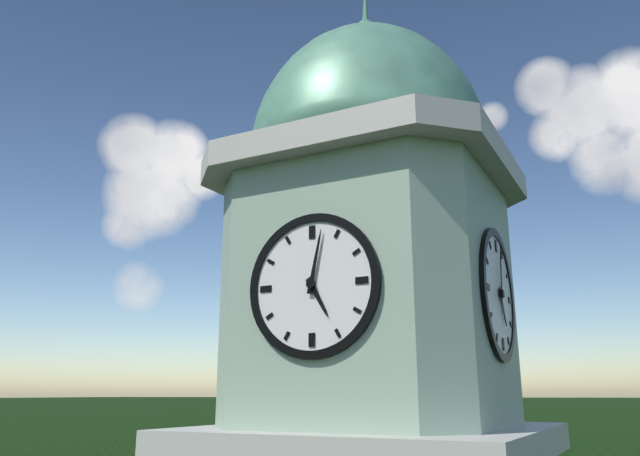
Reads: h=5 m=2
